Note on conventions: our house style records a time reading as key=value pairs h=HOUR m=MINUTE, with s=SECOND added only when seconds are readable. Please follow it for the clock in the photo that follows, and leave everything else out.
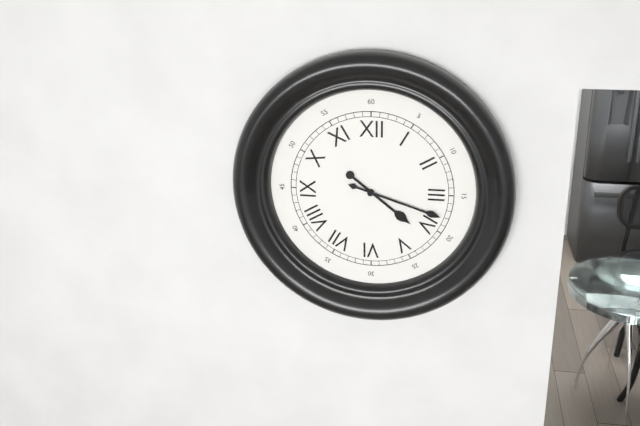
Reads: h=4 m=18
